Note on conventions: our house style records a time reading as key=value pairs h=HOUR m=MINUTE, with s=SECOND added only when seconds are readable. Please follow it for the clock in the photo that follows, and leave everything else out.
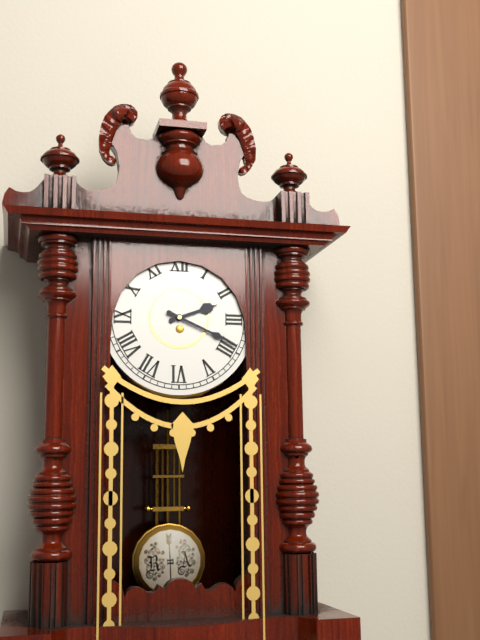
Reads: h=2 m=19
